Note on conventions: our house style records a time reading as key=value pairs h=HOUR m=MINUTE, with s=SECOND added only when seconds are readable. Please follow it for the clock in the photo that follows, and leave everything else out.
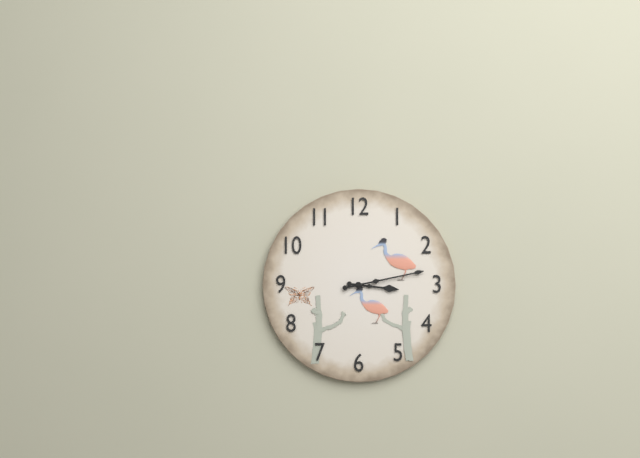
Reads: h=3 m=13
